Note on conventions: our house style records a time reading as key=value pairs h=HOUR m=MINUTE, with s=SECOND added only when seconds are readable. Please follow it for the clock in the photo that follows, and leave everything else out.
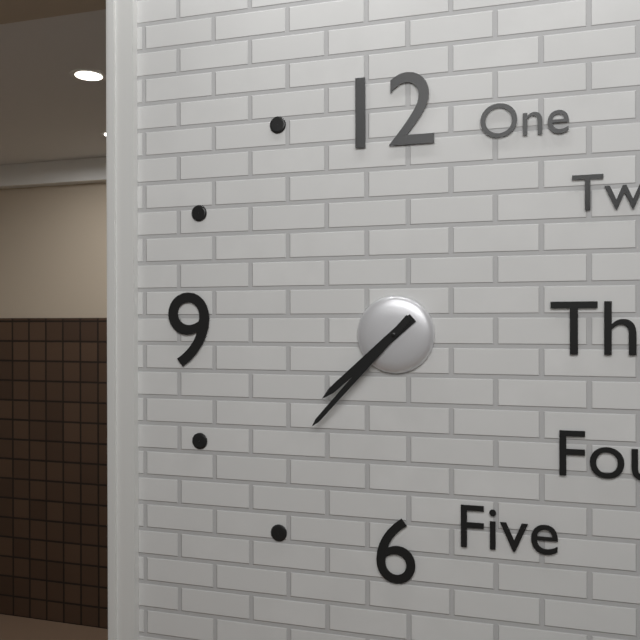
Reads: h=7 m=37
